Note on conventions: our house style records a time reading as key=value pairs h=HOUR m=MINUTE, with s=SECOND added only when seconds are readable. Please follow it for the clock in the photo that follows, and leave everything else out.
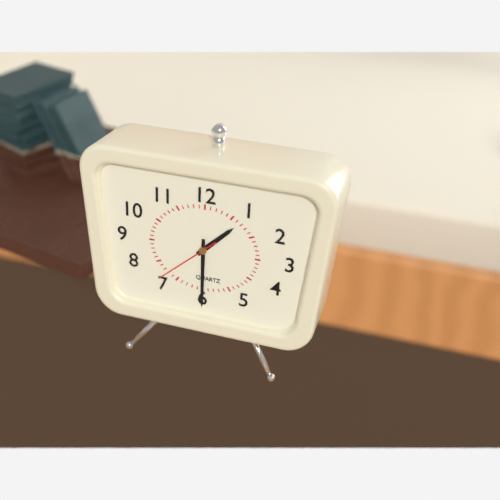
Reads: h=1 m=30 s=38
